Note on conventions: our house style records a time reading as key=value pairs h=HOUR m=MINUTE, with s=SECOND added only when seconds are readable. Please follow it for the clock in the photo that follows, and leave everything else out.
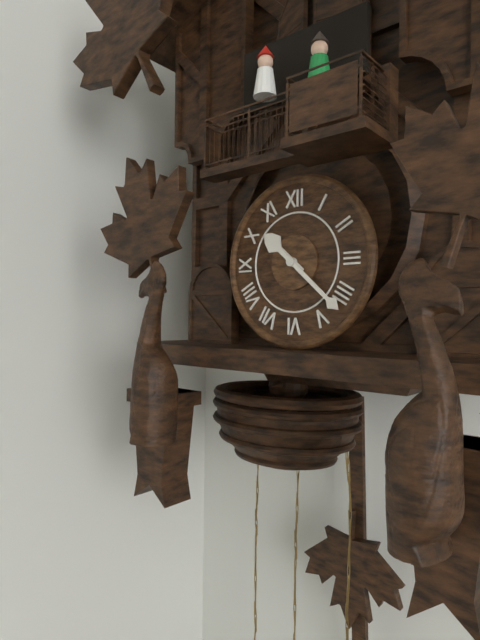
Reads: h=10 m=22
